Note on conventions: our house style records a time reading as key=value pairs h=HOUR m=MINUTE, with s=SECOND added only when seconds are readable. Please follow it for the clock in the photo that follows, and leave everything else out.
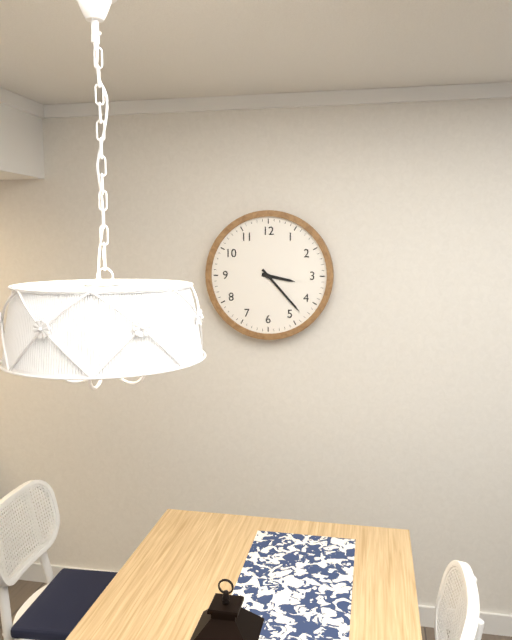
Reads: h=3 m=23
